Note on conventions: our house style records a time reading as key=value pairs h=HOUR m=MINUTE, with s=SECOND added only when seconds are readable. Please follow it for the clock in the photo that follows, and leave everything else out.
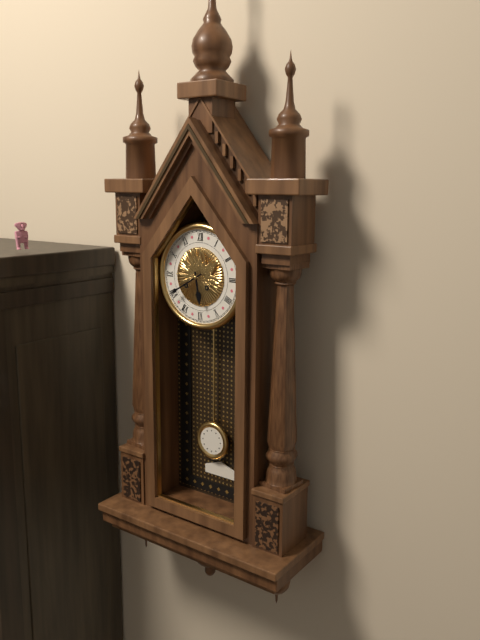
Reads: h=5 m=40
